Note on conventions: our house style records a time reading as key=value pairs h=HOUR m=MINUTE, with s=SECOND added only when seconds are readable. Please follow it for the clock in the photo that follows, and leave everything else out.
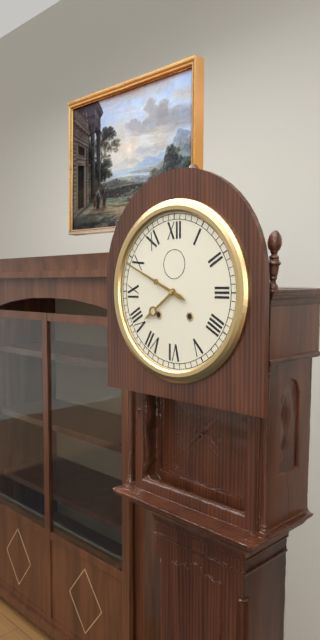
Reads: h=7 m=49
